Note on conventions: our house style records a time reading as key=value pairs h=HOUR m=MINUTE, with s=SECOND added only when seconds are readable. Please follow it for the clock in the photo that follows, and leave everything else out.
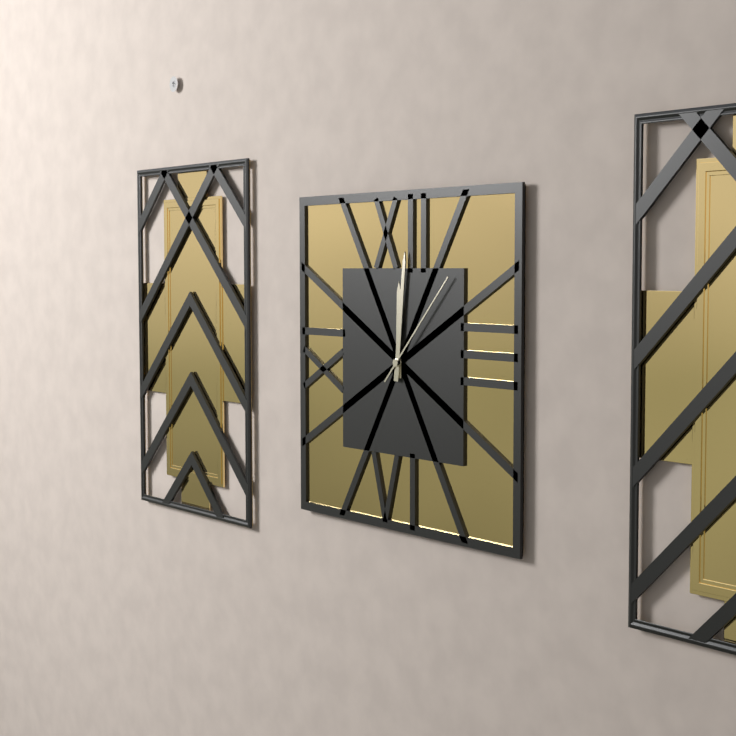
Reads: h=12 m=1 s=7
